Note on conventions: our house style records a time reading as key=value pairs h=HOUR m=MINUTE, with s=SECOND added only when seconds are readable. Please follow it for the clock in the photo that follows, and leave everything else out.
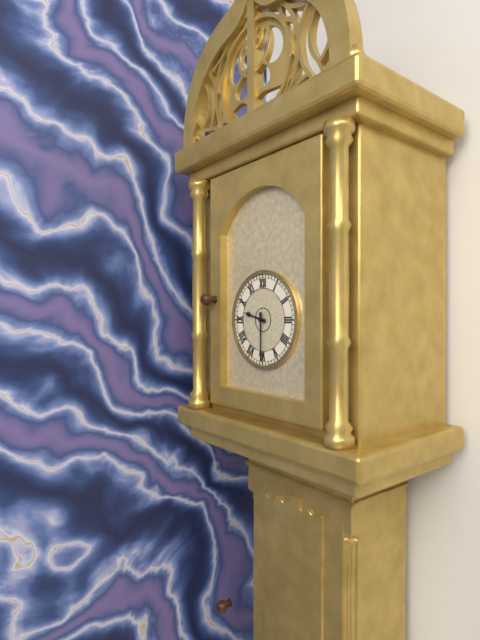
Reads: h=9 m=30
